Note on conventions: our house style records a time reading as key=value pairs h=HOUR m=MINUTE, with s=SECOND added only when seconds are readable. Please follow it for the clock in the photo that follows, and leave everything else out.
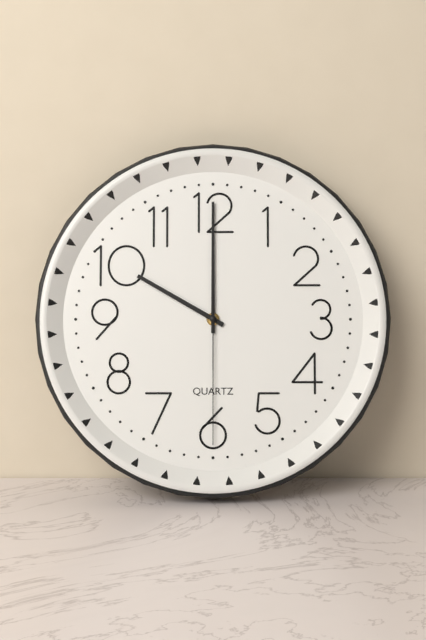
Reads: h=10 m=0 s=30
